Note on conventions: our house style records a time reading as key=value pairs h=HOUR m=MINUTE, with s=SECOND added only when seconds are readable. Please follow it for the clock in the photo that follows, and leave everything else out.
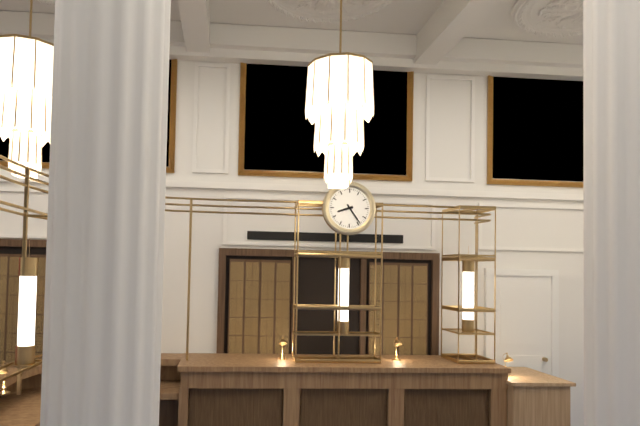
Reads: h=8 m=24
